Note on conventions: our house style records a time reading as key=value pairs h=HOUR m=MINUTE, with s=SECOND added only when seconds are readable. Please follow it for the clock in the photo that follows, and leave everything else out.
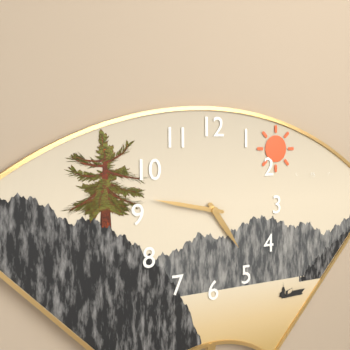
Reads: h=4 m=47
